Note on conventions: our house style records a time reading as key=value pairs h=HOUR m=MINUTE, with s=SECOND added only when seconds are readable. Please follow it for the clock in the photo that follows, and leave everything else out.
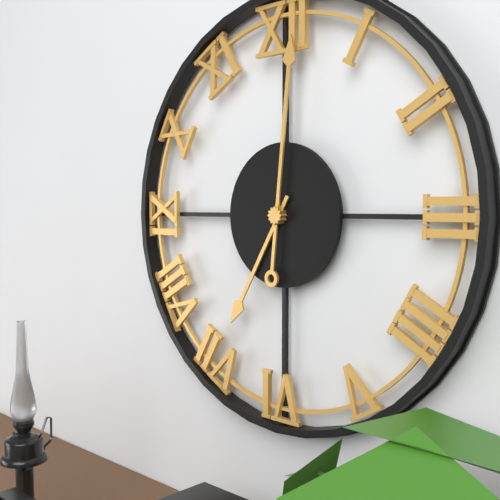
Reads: h=7 m=1
